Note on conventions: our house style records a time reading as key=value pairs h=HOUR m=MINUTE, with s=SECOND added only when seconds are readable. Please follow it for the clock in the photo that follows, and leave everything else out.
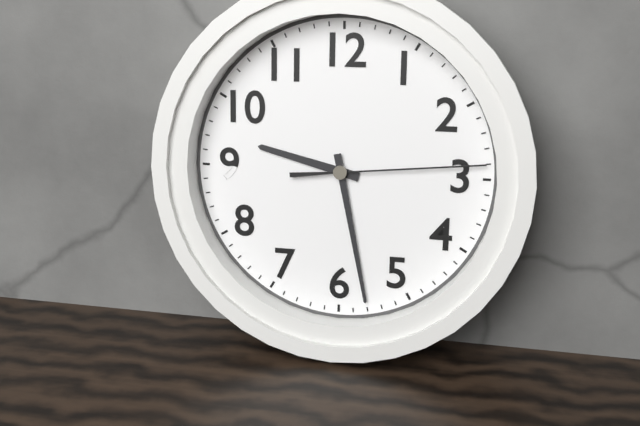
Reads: h=9 m=28 s=14
